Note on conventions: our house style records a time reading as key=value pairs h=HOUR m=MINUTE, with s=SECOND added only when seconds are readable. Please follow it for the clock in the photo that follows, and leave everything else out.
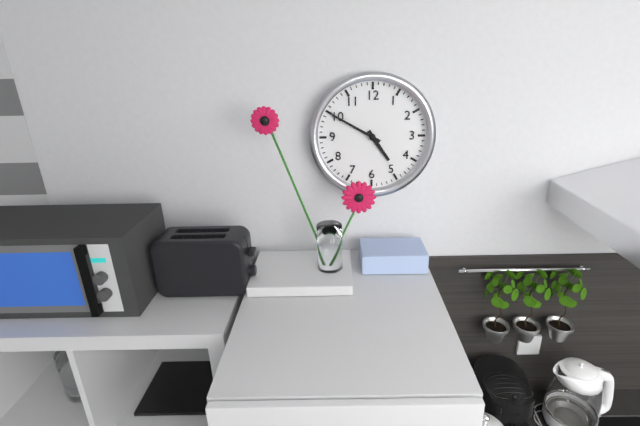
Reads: h=4 m=50
